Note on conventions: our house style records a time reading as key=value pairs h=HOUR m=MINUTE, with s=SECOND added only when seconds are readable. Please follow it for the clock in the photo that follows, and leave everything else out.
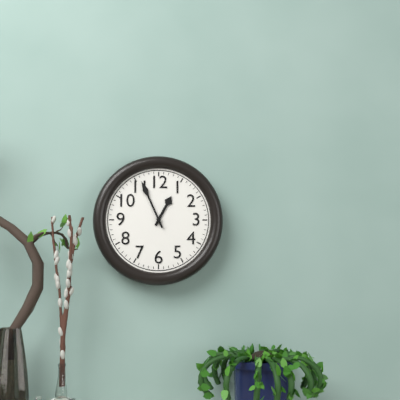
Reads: h=12 m=56
